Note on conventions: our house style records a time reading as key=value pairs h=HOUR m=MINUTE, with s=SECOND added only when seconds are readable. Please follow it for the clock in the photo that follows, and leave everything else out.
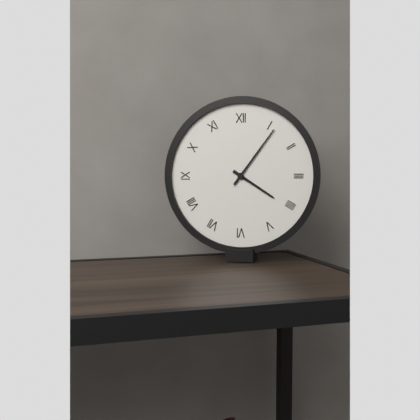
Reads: h=4 m=6
